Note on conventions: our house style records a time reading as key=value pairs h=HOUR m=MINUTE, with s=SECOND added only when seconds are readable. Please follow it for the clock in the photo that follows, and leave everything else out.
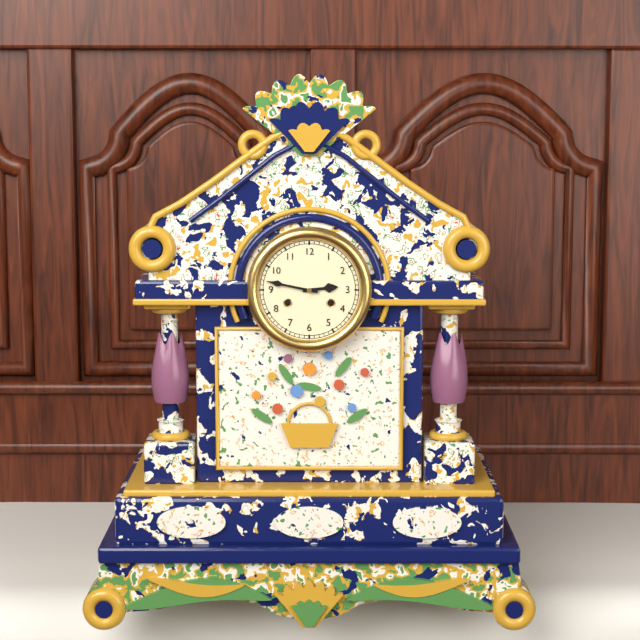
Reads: h=2 m=47
